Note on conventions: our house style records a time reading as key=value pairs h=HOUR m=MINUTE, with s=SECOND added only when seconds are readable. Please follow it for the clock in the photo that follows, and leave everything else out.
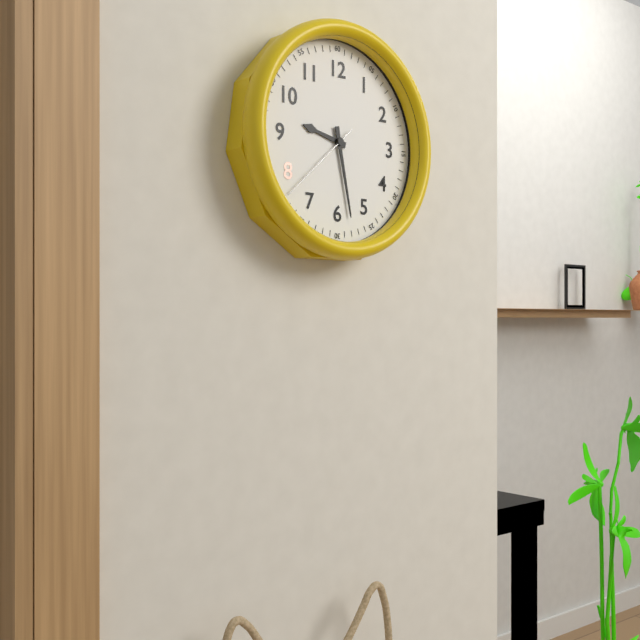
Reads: h=9 m=28 s=38
